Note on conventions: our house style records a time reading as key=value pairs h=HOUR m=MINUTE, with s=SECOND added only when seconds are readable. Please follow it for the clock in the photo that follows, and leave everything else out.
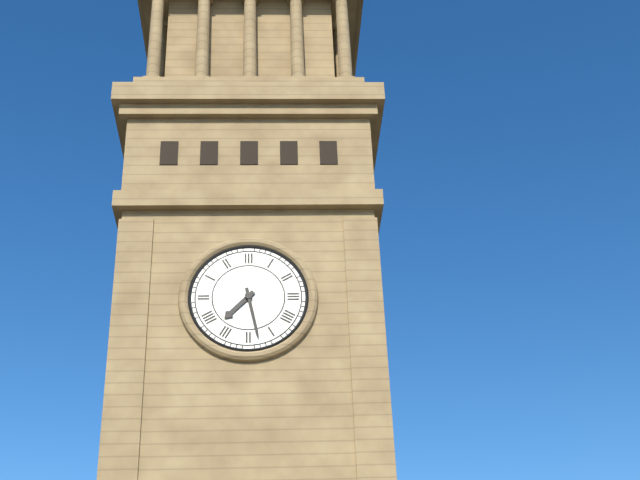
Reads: h=7 m=28
